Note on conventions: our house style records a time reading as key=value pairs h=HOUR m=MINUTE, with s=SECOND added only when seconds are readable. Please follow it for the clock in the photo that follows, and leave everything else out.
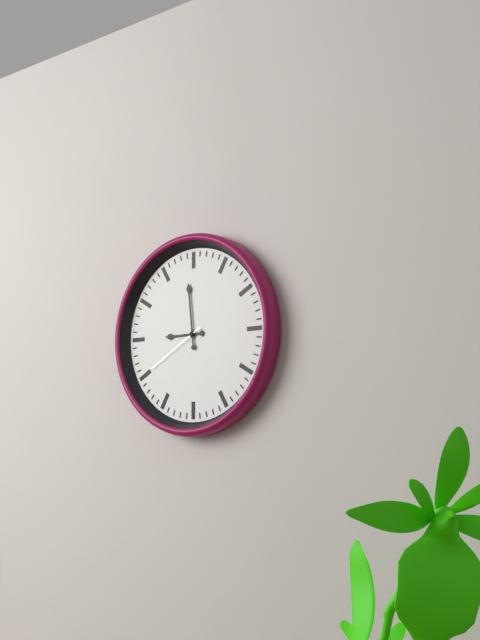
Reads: h=8 m=59 s=40
